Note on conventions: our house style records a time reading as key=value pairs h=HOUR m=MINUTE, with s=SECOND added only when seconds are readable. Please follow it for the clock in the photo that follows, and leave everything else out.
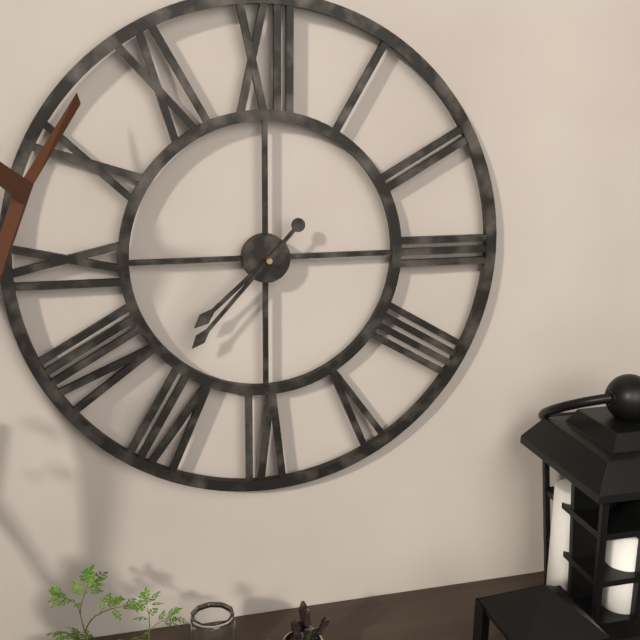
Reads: h=7 m=37
